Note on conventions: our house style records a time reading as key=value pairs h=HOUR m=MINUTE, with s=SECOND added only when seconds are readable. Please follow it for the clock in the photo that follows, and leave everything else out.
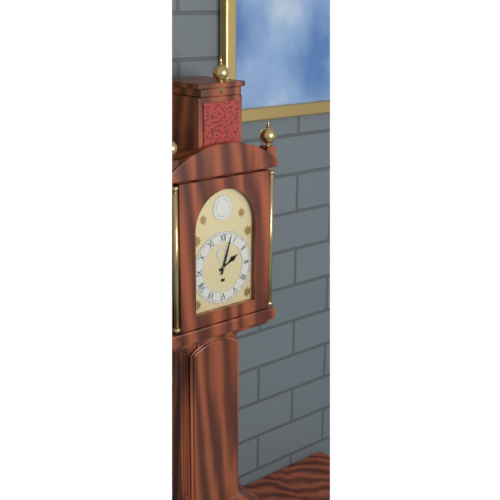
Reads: h=2 m=3
